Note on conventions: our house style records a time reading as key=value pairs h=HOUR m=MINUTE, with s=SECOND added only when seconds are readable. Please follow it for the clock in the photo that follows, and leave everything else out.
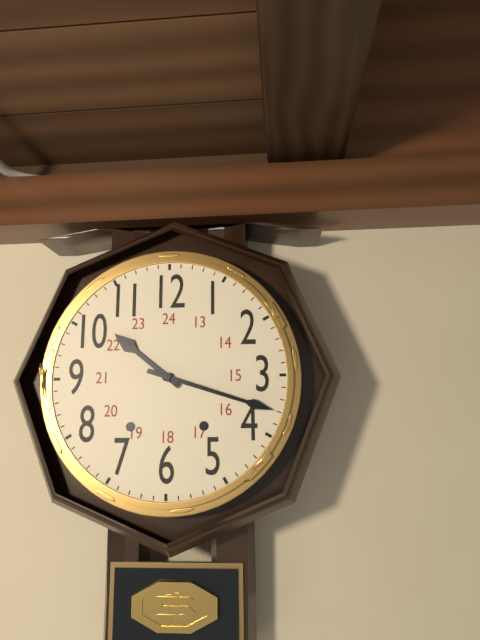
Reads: h=10 m=18
